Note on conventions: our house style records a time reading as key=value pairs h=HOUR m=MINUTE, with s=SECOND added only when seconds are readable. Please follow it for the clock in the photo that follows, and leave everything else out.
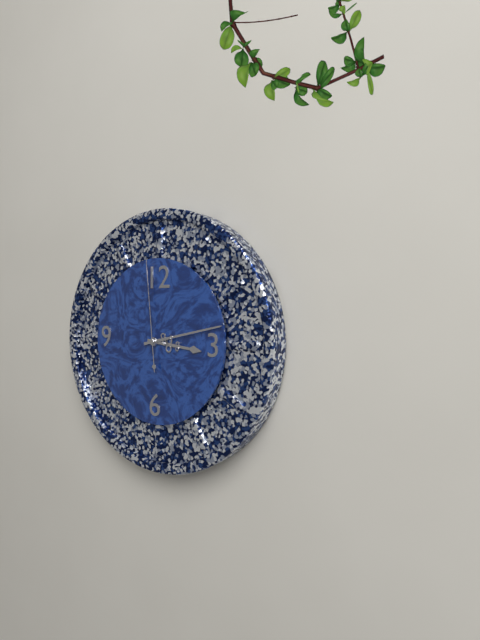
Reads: h=3 m=13 s=59
